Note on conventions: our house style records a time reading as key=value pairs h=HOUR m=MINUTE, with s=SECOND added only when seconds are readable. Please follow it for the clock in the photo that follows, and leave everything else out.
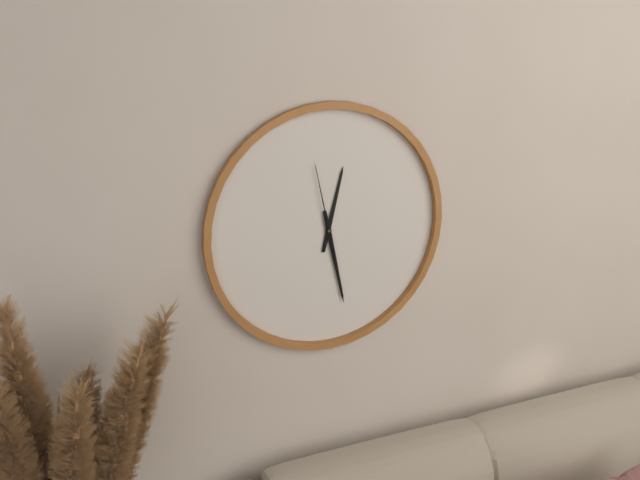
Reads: h=12 m=28 s=58
